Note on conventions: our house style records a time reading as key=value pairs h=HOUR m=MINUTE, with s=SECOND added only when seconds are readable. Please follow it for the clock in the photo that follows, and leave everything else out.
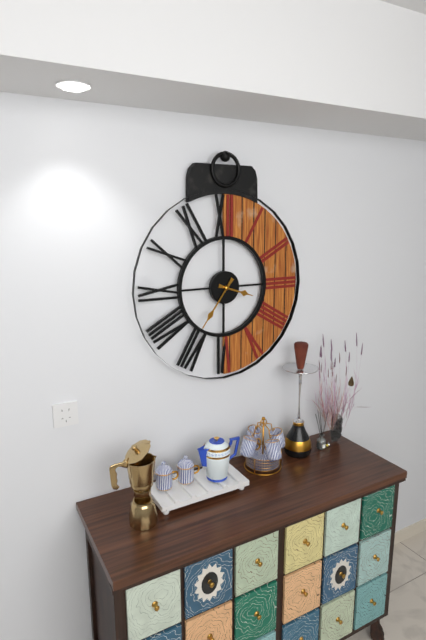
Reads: h=3 m=36
